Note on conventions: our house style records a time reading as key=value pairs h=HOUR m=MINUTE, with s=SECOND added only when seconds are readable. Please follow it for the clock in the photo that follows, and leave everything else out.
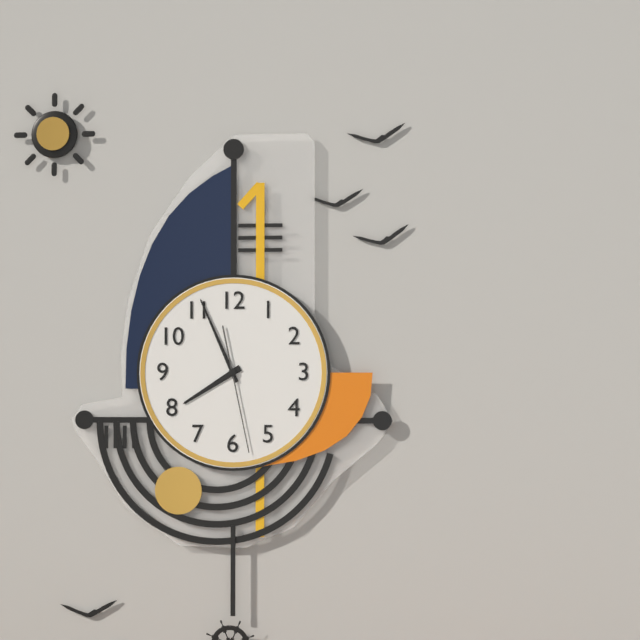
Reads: h=7 m=56 s=28
